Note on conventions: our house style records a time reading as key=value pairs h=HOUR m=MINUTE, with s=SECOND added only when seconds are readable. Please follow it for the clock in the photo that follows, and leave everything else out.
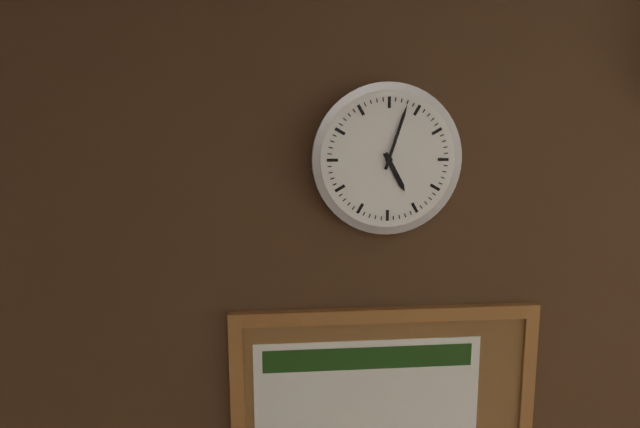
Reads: h=5 m=3
